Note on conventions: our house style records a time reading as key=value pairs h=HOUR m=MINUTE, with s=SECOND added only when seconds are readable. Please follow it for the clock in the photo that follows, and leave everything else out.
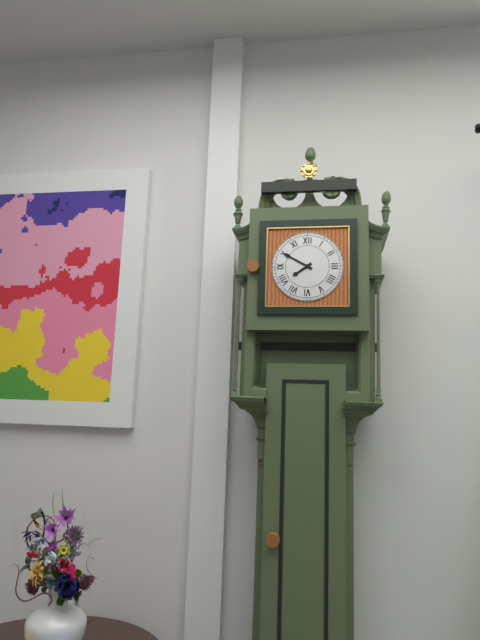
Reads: h=7 m=50
